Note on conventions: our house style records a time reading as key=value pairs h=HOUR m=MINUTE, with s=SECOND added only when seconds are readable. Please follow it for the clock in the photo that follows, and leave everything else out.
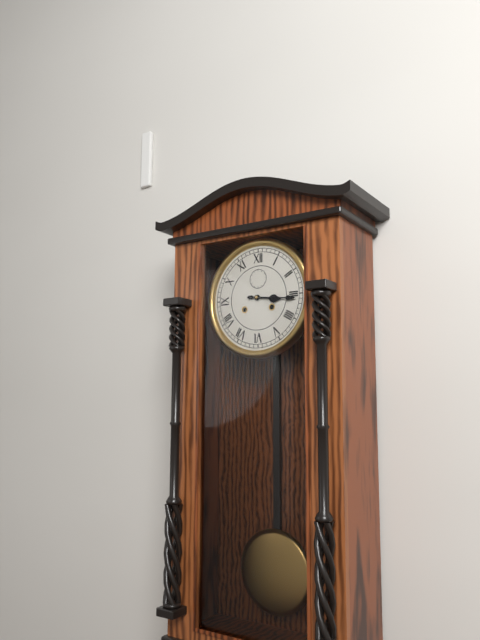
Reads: h=3 m=16
